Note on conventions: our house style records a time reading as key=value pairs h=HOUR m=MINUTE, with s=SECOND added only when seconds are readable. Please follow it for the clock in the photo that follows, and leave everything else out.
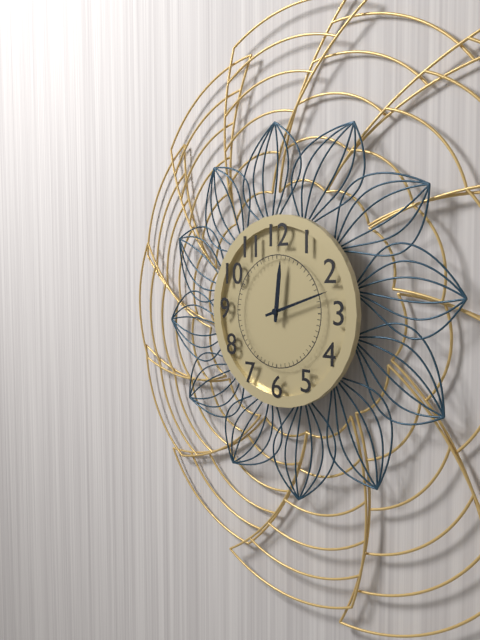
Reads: h=12 m=12
